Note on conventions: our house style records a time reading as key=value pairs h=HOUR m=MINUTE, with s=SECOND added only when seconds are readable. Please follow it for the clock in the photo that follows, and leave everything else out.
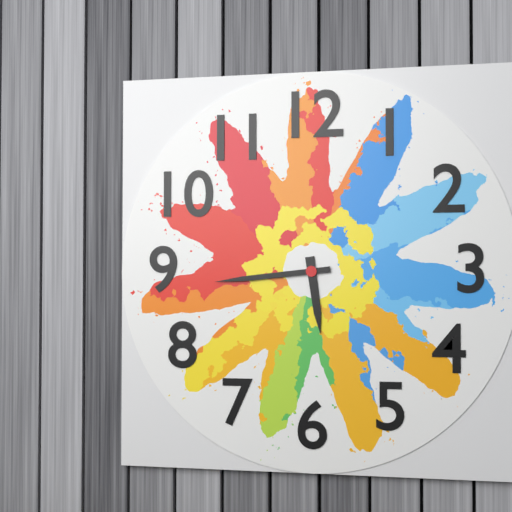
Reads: h=5 m=44
